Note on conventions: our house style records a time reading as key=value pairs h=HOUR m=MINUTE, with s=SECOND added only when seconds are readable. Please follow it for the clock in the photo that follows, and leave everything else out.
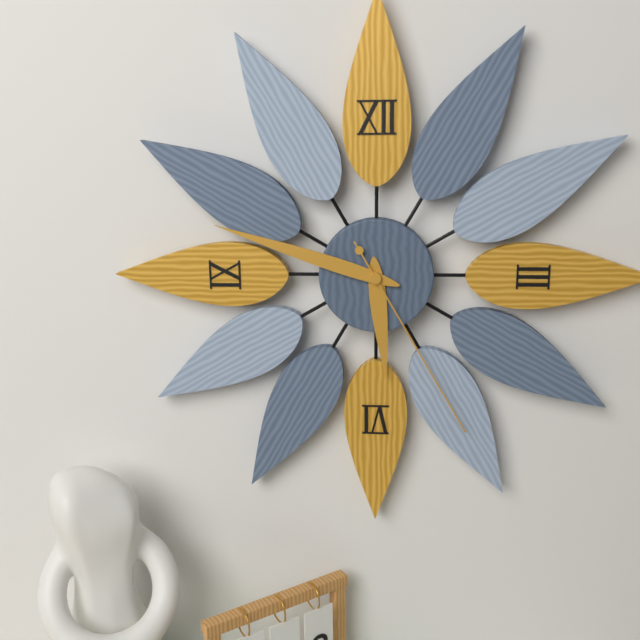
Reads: h=5 m=48 s=25
